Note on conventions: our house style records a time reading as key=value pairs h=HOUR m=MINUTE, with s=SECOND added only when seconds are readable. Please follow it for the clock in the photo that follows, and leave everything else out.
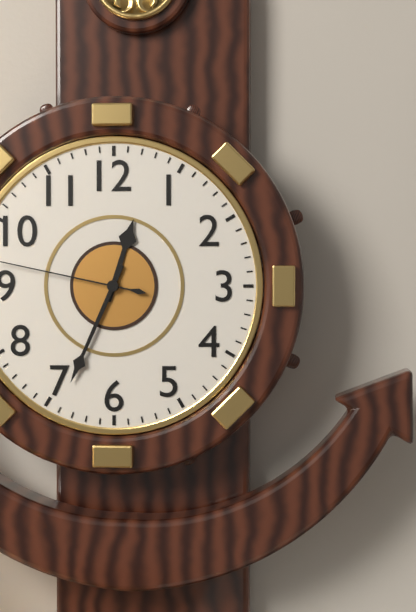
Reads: h=12 m=34
